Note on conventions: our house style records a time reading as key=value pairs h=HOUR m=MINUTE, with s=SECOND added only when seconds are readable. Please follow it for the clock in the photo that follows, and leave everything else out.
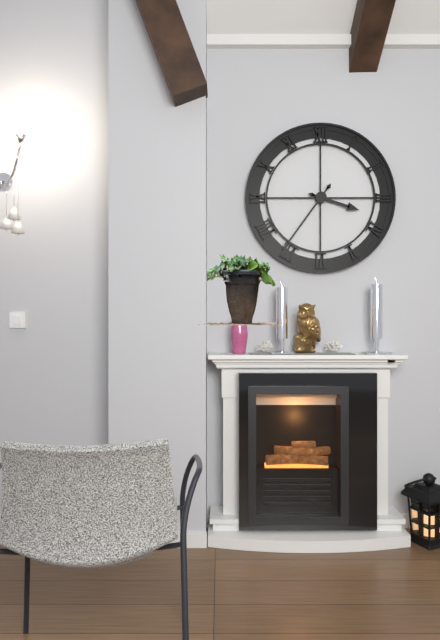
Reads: h=3 m=36
